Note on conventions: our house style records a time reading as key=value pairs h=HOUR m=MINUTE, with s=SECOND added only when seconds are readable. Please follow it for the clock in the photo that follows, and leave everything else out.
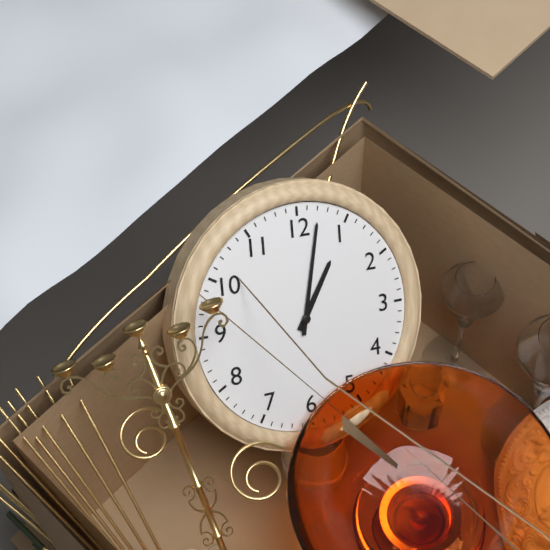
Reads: h=1 m=2
